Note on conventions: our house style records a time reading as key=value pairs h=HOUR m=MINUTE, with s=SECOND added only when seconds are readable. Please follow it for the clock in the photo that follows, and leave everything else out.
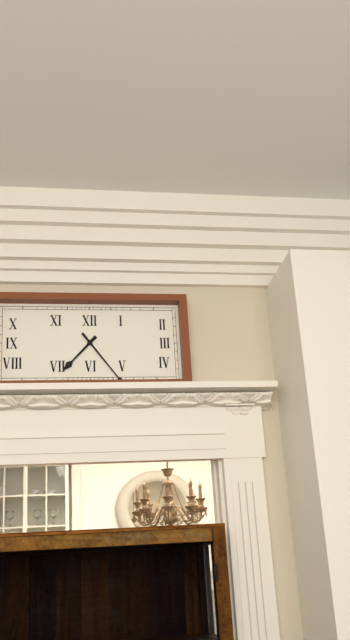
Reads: h=7 m=24
